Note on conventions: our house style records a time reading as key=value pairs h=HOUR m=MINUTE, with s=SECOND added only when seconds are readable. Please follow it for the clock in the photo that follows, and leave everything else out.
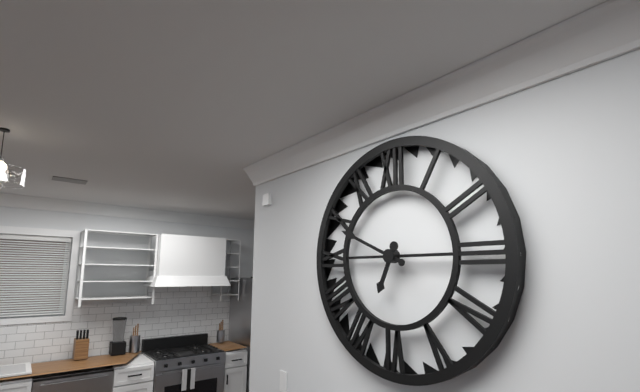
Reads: h=6 m=49
